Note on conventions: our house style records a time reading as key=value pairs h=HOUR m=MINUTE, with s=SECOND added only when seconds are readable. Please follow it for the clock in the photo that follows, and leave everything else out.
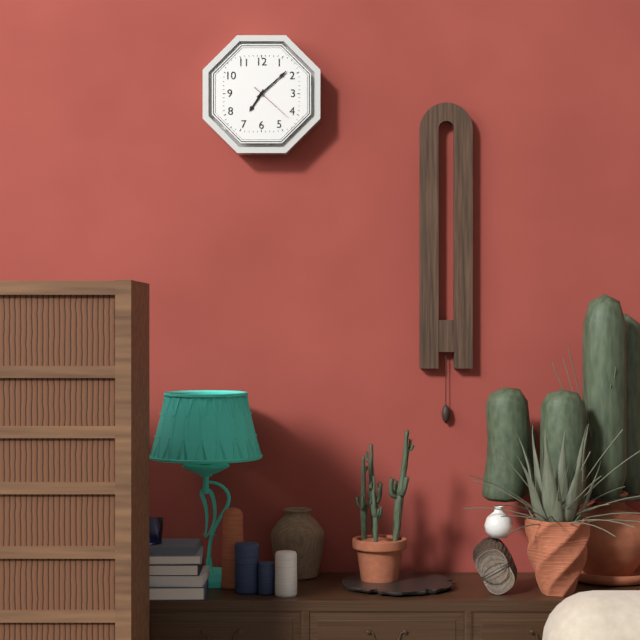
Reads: h=7 m=8
